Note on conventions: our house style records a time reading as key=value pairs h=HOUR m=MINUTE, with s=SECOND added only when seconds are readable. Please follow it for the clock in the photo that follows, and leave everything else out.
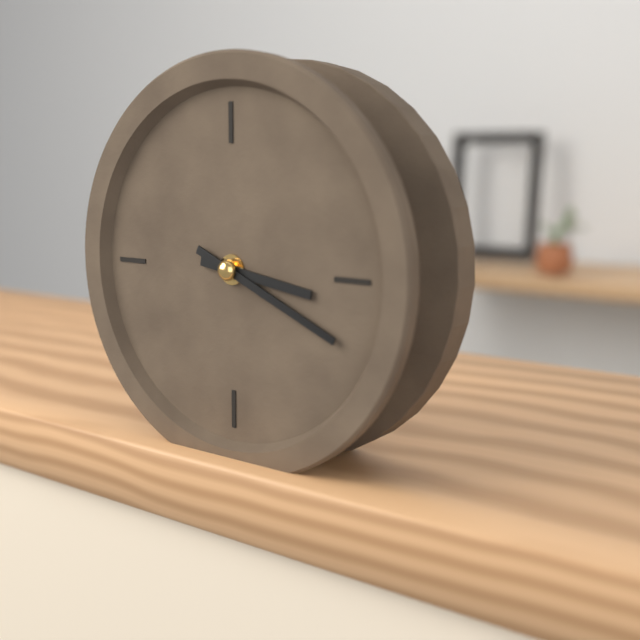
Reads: h=3 m=19
